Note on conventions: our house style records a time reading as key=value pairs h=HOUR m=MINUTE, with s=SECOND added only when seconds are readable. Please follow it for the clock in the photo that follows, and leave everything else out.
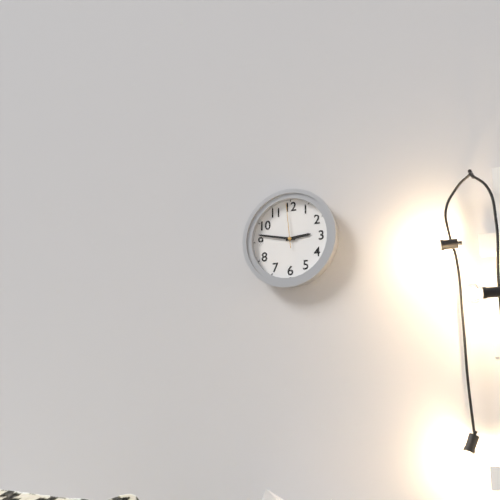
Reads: h=2 m=47
